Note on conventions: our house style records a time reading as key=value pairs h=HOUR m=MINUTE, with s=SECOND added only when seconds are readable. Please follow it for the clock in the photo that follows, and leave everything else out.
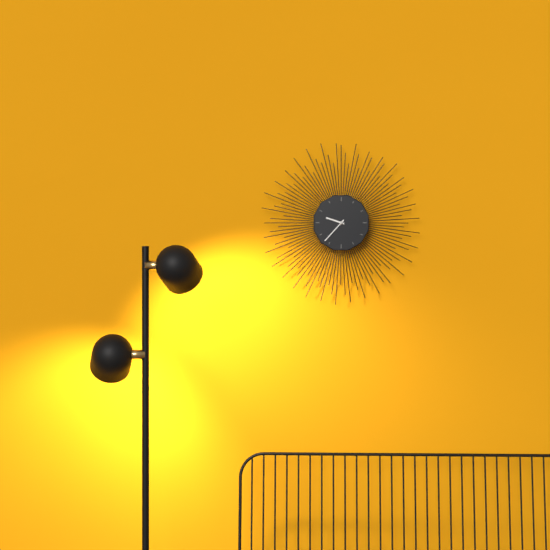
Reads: h=9 m=37
